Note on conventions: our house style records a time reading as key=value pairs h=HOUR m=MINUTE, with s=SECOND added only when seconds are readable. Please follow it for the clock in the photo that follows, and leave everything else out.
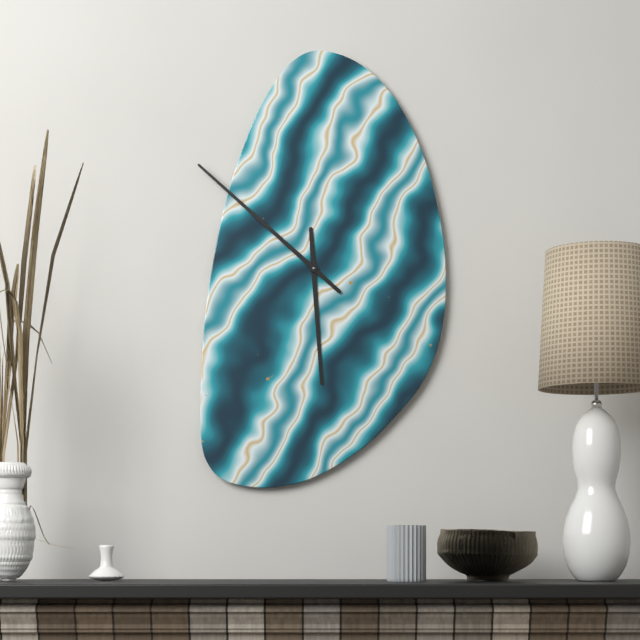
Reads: h=5 m=52
